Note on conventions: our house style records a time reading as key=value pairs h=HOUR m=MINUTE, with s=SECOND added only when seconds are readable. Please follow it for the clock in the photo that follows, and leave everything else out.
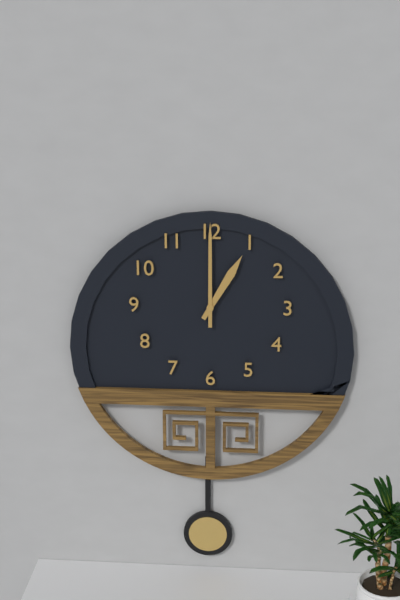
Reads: h=1 m=0
